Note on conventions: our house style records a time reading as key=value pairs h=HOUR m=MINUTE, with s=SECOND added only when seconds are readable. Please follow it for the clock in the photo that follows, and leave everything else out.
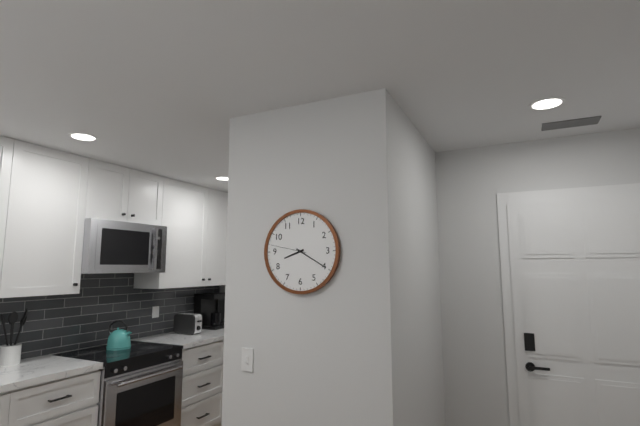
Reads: h=8 m=20
